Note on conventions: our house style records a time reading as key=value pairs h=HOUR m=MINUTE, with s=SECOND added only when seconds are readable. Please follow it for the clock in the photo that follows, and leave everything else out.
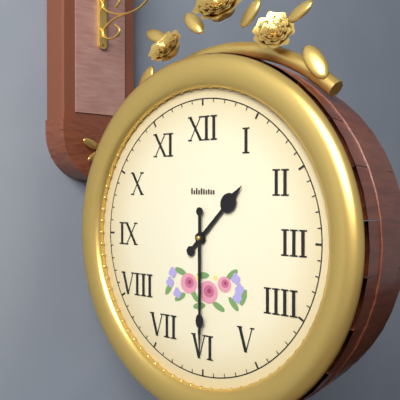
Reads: h=1 m=30
